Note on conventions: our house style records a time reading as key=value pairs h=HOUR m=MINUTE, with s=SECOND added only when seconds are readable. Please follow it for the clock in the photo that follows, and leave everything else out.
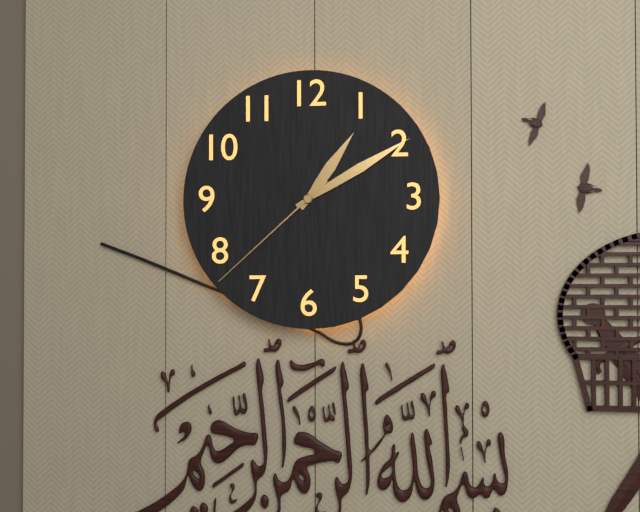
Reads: h=1 m=10 s=38
